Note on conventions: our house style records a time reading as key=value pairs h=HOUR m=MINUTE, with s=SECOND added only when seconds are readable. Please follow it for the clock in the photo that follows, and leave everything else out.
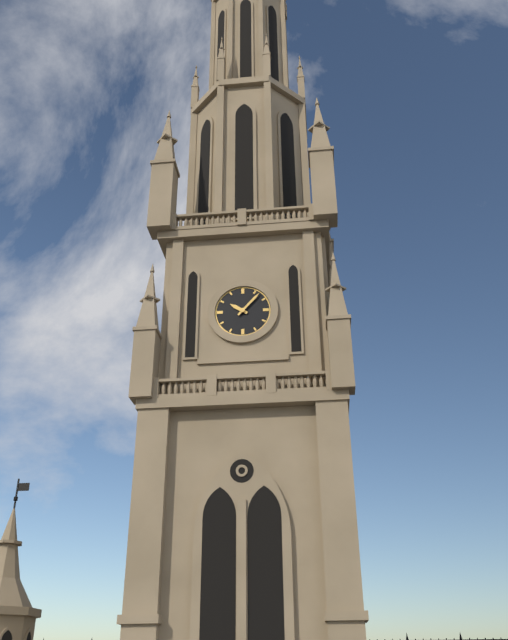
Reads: h=10 m=7
